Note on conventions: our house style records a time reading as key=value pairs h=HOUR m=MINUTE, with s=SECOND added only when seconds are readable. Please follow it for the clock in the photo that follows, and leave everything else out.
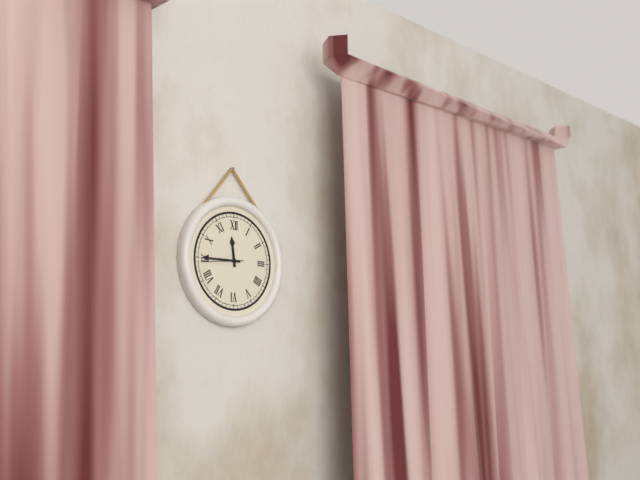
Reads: h=11 m=45
